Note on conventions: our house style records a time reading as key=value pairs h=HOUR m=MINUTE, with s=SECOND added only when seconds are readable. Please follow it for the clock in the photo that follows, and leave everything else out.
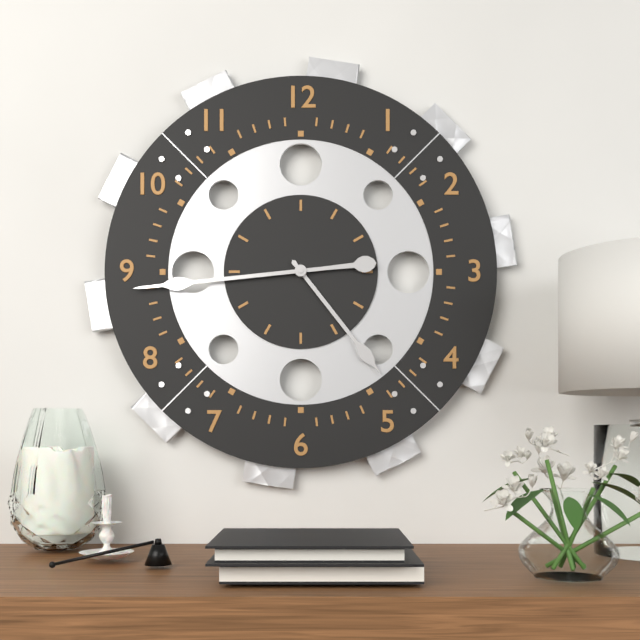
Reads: h=4 m=44
